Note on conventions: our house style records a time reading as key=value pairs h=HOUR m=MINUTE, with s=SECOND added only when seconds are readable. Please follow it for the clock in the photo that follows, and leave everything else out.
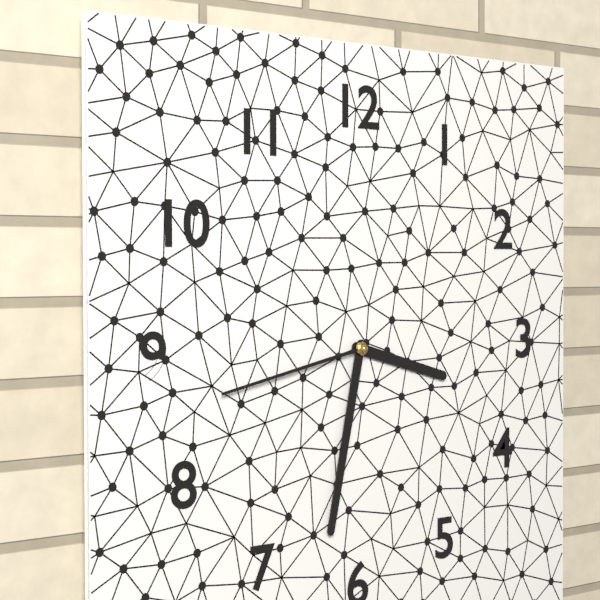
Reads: h=3 m=32 s=43
